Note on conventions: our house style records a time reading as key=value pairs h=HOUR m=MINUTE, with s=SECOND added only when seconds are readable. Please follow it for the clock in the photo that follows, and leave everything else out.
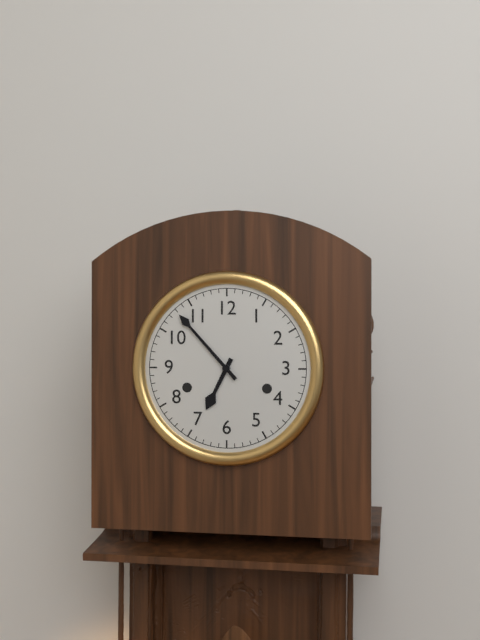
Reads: h=6 m=53
